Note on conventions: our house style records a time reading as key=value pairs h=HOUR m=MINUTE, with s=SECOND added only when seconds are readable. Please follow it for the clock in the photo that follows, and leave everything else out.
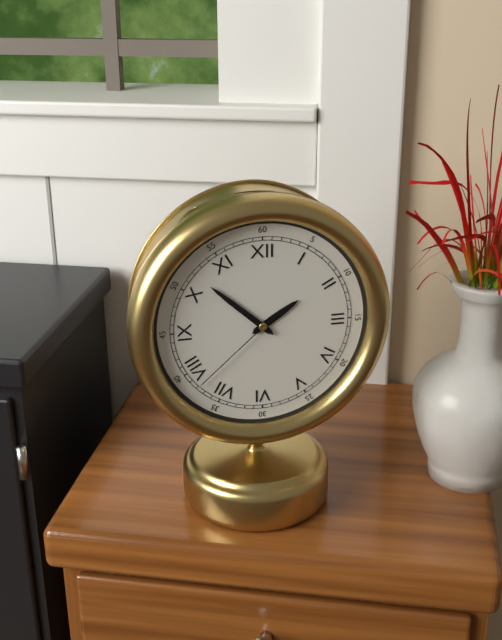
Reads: h=1 m=52 s=38
